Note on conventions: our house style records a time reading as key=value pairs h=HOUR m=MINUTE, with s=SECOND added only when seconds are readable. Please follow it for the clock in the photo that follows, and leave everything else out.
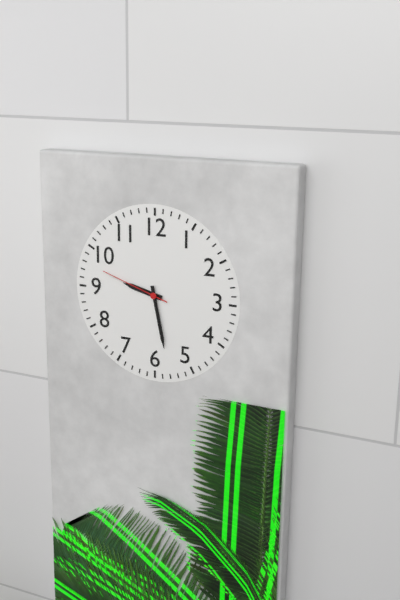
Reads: h=9 m=28 s=48
